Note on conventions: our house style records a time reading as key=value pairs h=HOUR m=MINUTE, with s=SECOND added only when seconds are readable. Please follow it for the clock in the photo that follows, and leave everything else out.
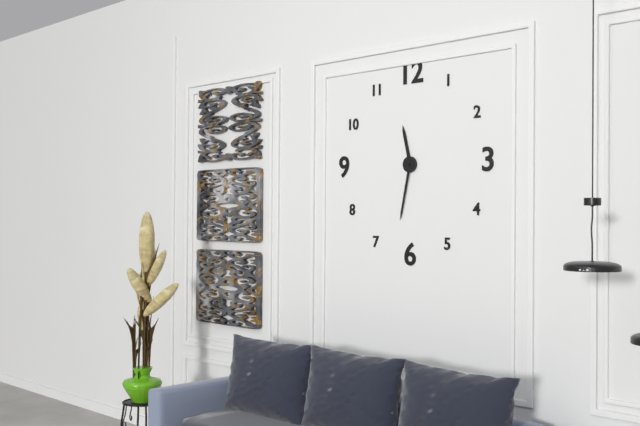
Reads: h=11 m=32
